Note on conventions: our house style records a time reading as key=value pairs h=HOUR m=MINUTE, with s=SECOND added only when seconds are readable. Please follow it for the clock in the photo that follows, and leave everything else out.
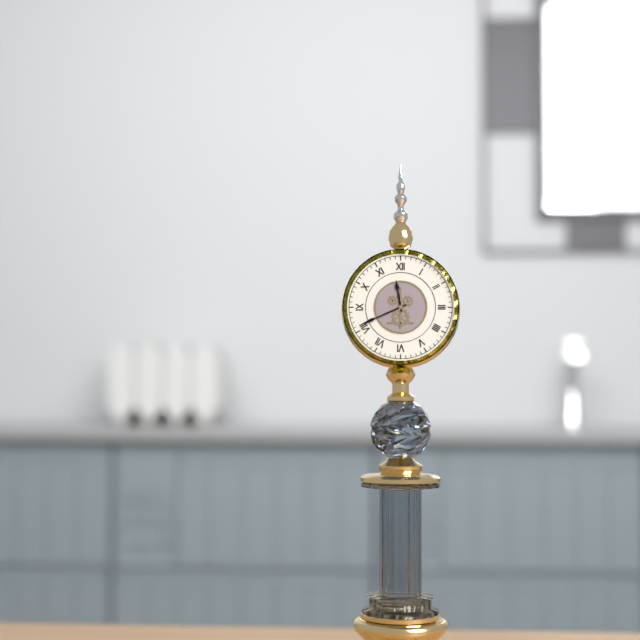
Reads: h=11 m=41
